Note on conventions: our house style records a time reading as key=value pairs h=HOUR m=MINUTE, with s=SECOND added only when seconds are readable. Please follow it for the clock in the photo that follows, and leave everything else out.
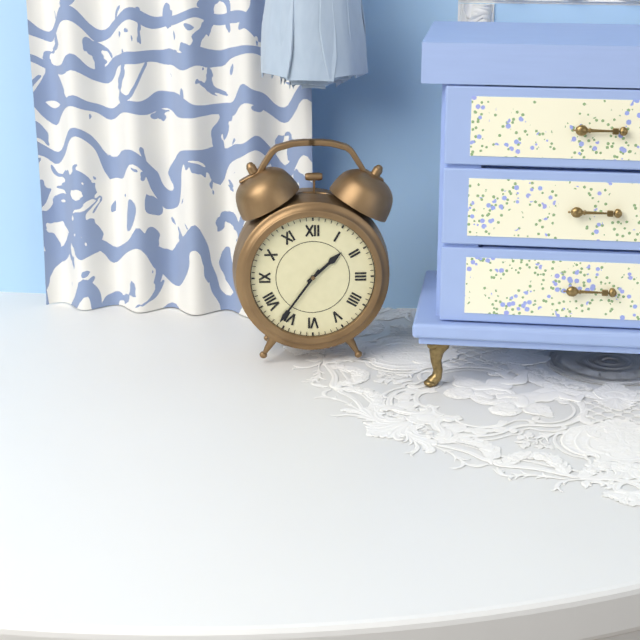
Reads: h=1 m=36
